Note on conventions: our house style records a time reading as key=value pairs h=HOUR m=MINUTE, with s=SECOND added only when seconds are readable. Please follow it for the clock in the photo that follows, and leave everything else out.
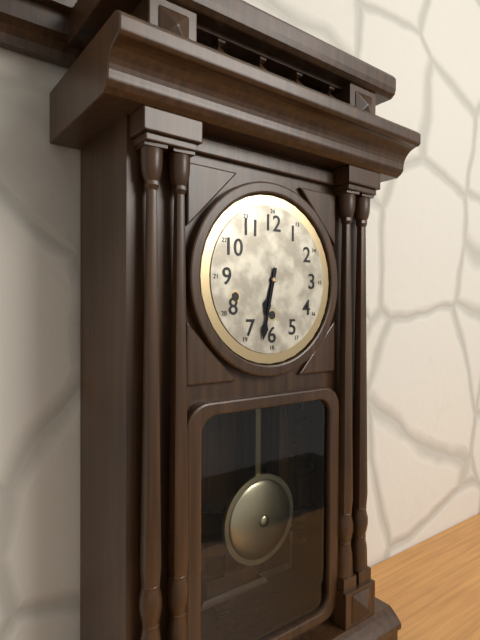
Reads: h=6 m=32
